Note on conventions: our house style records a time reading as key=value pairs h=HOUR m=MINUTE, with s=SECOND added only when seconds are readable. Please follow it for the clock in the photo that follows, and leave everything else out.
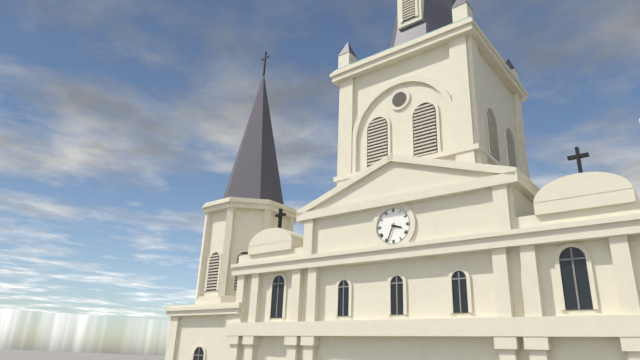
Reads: h=3 m=34
